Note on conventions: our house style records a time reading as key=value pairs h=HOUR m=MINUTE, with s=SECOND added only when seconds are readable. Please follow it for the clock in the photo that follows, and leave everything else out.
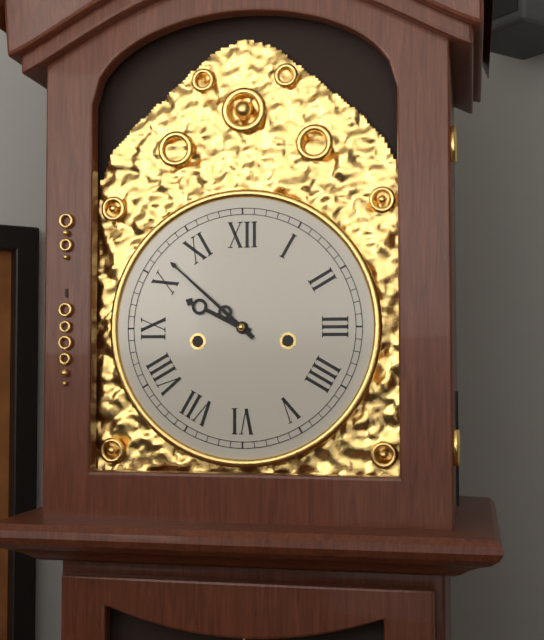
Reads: h=9 m=52
